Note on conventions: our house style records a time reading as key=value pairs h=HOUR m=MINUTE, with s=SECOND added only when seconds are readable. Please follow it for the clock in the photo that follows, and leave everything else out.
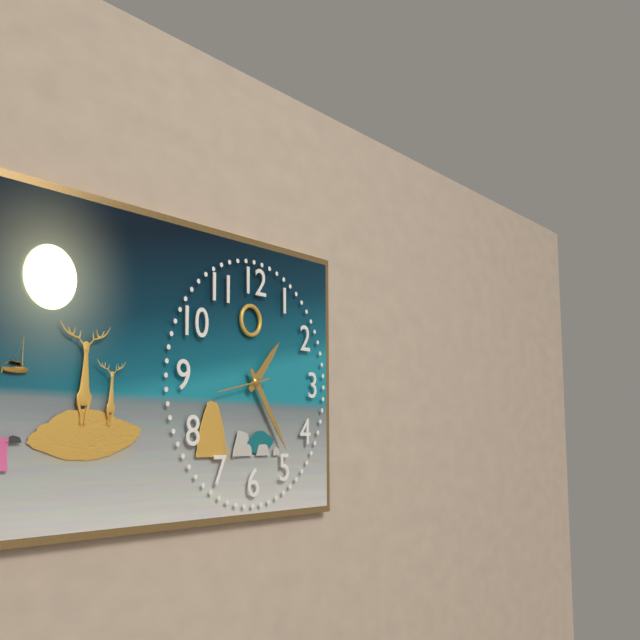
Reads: h=1 m=24 s=43
